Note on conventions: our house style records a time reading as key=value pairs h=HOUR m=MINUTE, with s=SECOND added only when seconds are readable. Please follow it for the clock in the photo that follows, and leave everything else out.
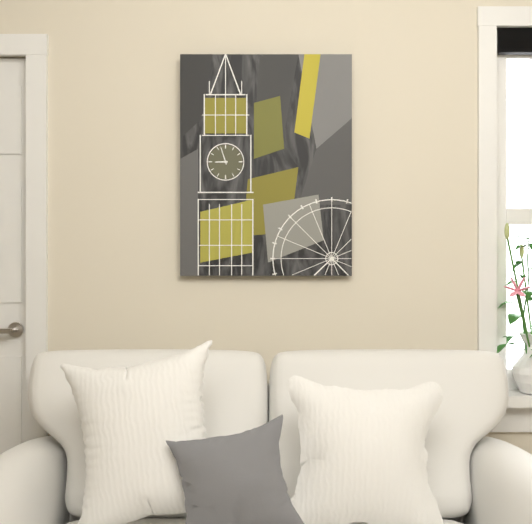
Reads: h=8 m=57
